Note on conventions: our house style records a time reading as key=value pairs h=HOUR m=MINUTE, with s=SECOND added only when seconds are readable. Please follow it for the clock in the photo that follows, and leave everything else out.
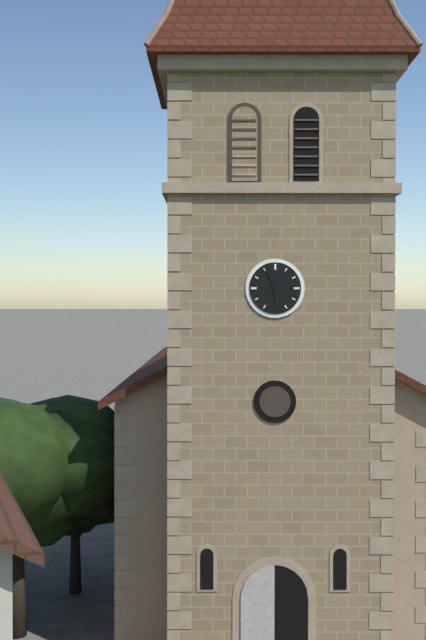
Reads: h=5 m=56
